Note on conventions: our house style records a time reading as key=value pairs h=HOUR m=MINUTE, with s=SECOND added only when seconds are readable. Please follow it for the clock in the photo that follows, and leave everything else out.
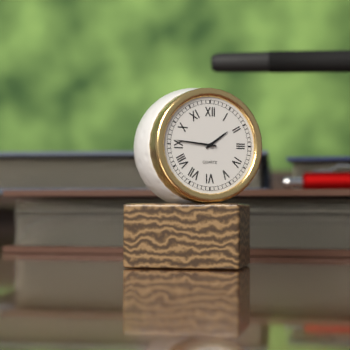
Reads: h=1 m=46
